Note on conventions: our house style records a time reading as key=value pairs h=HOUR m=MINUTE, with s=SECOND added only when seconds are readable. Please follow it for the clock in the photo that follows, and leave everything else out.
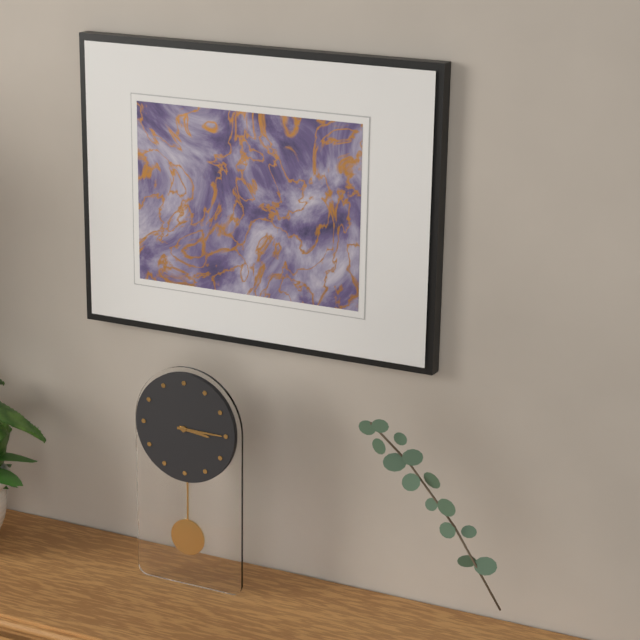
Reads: h=3 m=15
